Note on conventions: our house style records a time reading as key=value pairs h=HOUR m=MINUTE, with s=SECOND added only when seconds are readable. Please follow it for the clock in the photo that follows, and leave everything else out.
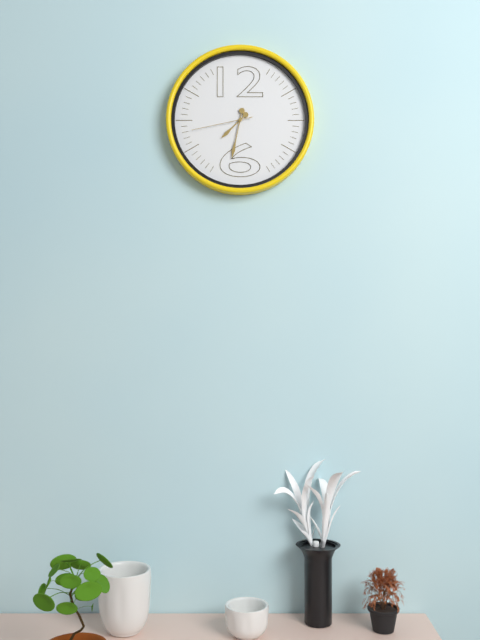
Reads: h=7 m=32 s=43
